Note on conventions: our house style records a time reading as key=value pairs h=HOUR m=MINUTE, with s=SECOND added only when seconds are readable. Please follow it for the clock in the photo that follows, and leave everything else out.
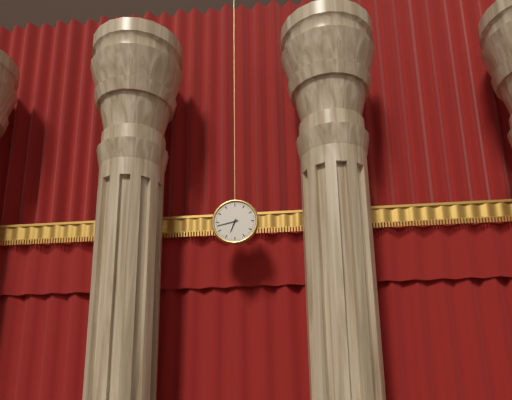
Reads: h=6 m=43
